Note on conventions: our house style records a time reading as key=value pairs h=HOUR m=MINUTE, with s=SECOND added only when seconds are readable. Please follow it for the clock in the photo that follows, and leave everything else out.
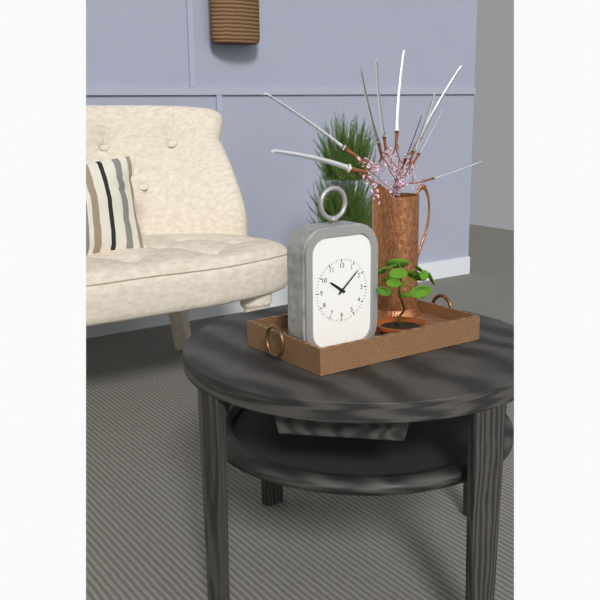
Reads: h=10 m=8
